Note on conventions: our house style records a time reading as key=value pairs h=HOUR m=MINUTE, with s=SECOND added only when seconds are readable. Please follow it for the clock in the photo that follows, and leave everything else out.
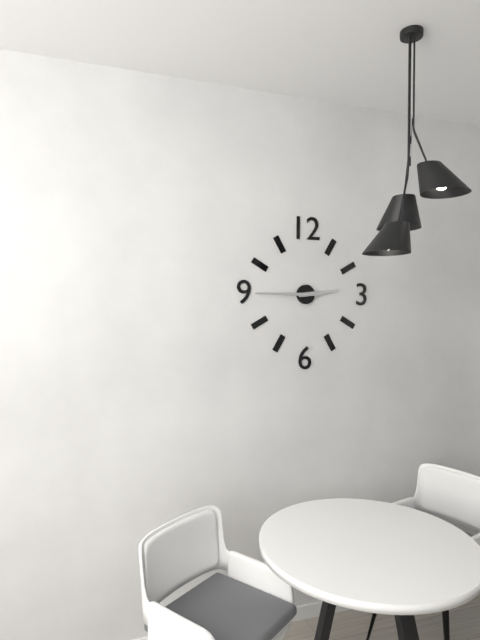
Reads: h=2 m=45
